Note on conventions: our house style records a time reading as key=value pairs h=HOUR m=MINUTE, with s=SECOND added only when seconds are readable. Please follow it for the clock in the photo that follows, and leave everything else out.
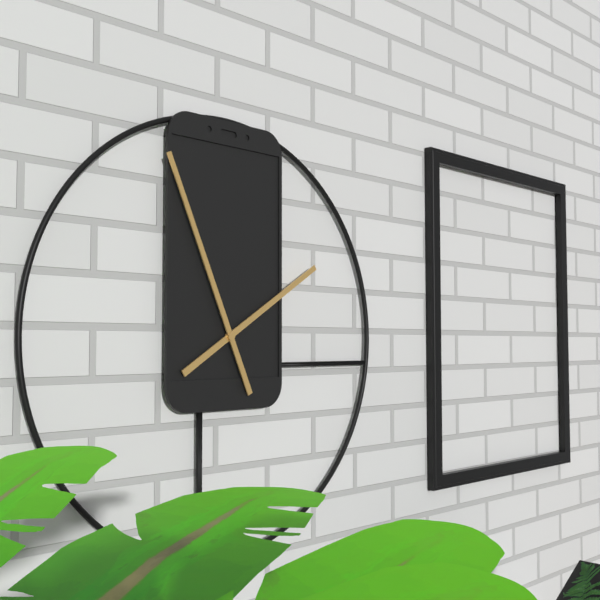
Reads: h=1 m=56
